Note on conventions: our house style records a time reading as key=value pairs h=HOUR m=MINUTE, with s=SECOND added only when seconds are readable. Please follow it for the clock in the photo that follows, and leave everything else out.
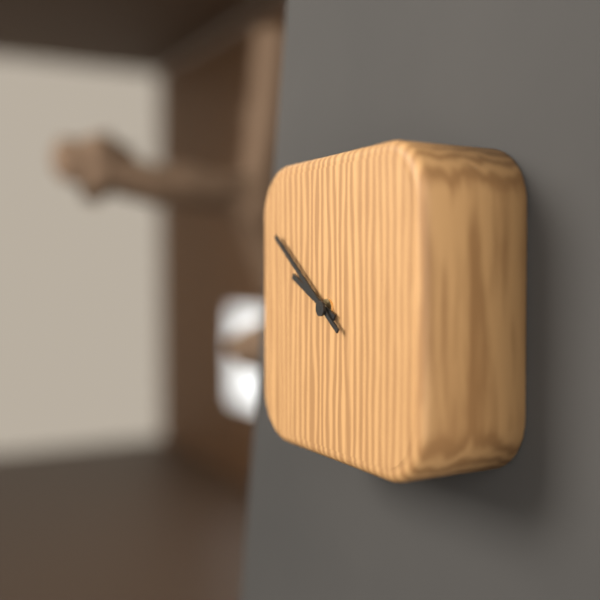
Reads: h=9 m=51
